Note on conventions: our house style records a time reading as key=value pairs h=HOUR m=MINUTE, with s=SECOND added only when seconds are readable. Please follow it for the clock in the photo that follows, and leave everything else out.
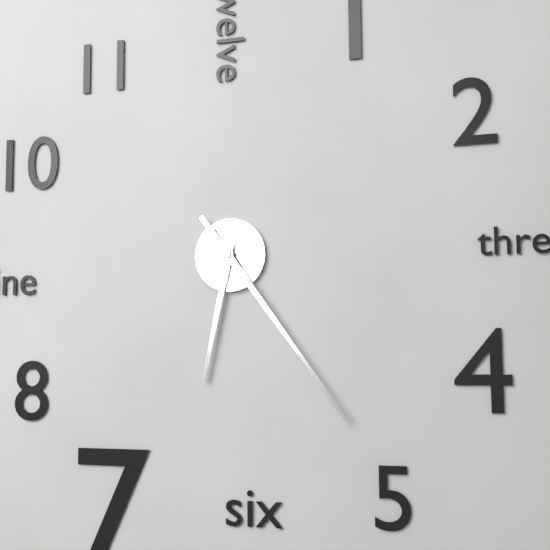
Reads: h=6 m=24
